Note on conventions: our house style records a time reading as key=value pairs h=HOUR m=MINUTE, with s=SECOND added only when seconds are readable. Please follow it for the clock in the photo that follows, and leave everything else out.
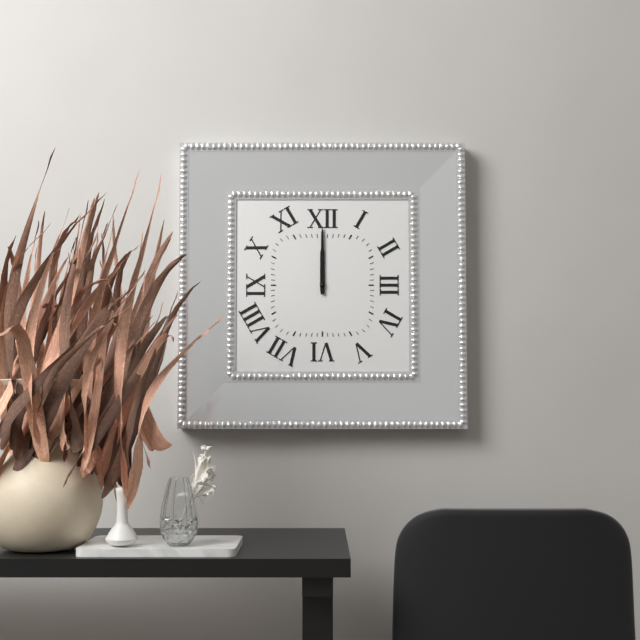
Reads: h=12 m=0
